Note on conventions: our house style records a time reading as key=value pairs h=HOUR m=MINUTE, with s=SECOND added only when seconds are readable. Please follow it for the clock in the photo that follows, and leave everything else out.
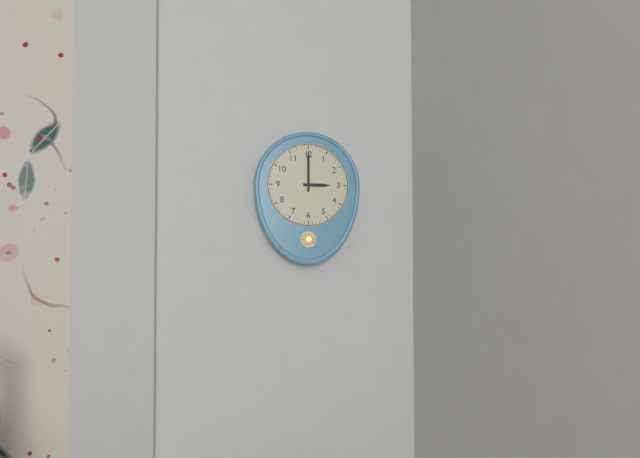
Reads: h=3 m=0
